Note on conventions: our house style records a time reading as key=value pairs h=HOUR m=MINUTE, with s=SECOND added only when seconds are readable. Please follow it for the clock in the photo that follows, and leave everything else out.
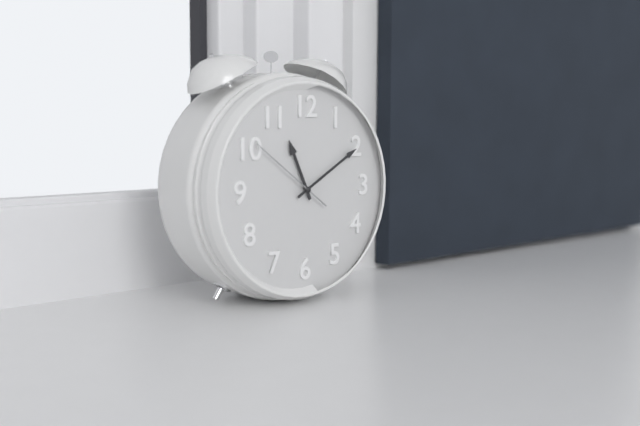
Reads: h=11 m=10 s=51
